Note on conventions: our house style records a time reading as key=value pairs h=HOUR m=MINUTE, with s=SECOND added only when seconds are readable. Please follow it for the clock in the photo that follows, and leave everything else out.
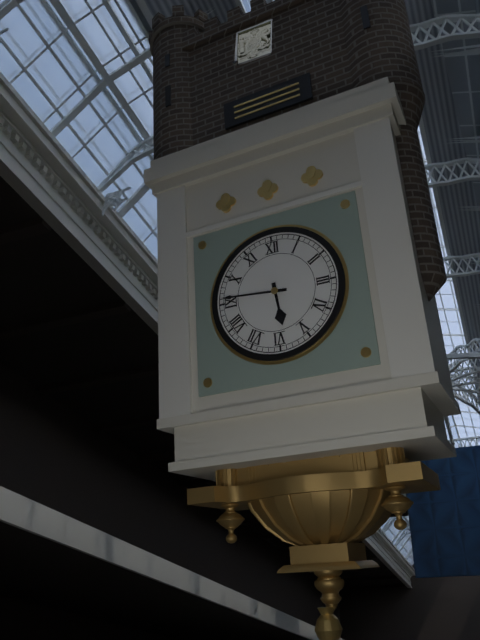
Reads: h=5 m=46
